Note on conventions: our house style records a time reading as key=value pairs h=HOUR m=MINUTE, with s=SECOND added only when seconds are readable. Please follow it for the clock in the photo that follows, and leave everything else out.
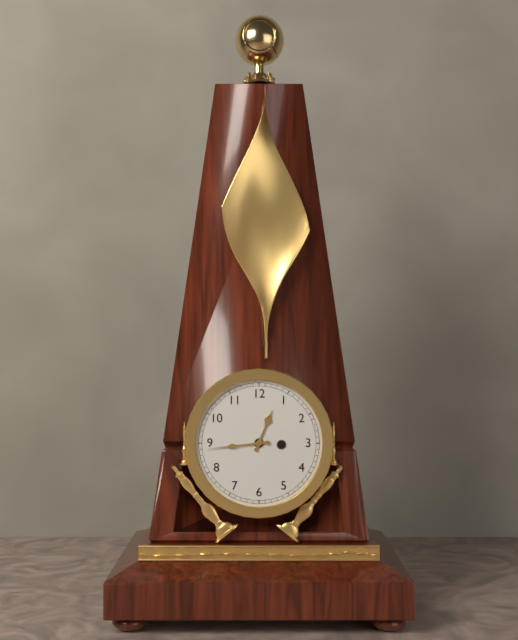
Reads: h=12 m=44
